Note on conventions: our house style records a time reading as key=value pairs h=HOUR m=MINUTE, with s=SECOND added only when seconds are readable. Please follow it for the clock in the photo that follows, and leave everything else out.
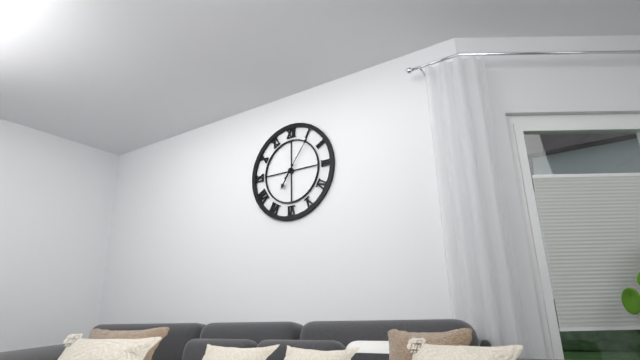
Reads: h=7 m=6
